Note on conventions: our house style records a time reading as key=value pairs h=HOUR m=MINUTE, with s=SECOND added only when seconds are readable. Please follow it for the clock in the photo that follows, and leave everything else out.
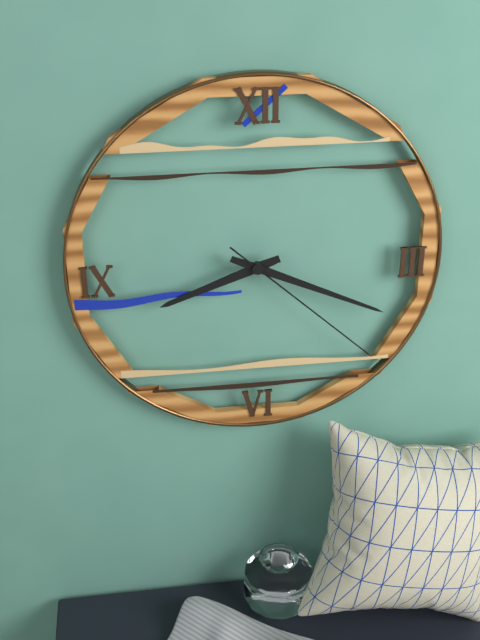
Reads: h=8 m=19 s=22
